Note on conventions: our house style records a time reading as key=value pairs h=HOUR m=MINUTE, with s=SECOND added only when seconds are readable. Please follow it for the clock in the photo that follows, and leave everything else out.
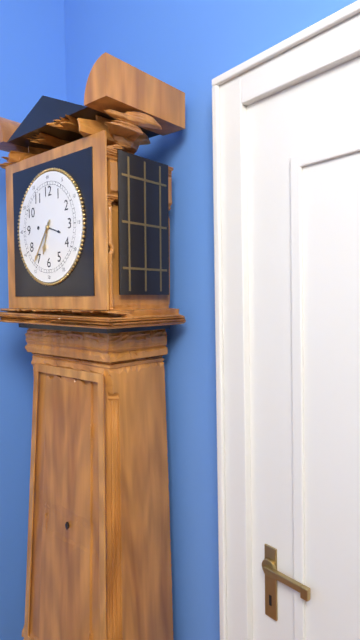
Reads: h=6 m=36
